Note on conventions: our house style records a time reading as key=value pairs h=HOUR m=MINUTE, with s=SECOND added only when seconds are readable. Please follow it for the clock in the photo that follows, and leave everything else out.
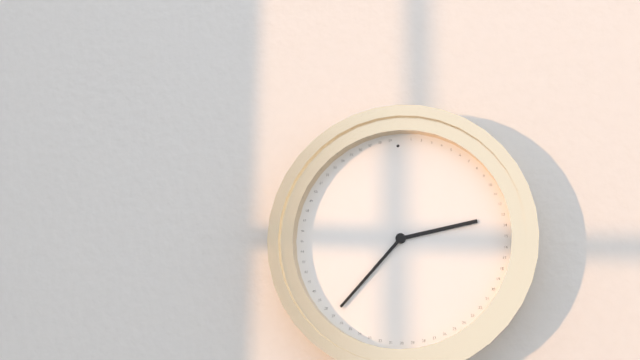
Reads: h=2 m=37
